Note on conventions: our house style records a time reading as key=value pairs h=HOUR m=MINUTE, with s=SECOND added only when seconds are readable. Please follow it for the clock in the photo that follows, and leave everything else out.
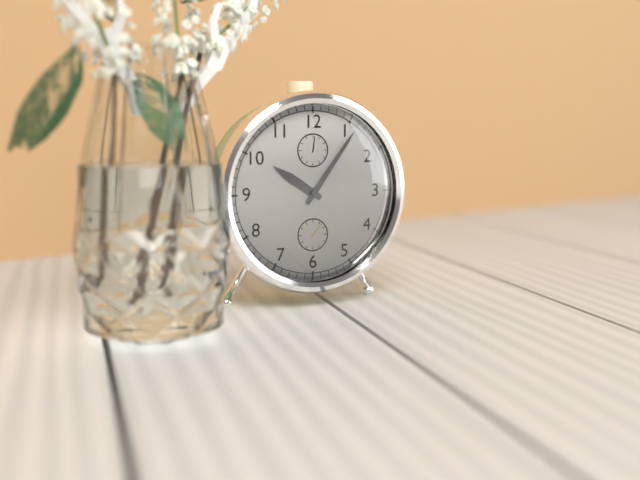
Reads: h=10 m=6
